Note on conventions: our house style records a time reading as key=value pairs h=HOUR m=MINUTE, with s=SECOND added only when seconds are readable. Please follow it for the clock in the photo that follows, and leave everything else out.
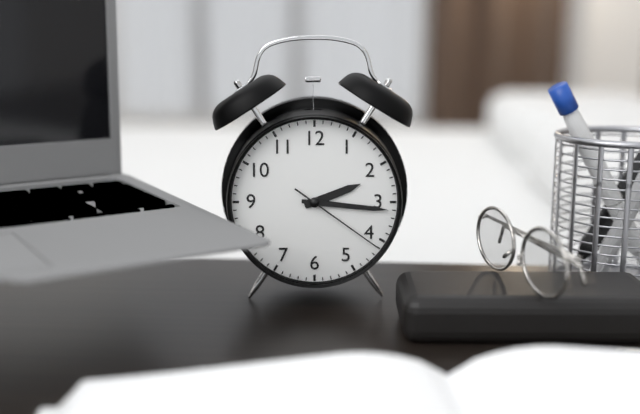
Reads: h=2 m=16 s=21
